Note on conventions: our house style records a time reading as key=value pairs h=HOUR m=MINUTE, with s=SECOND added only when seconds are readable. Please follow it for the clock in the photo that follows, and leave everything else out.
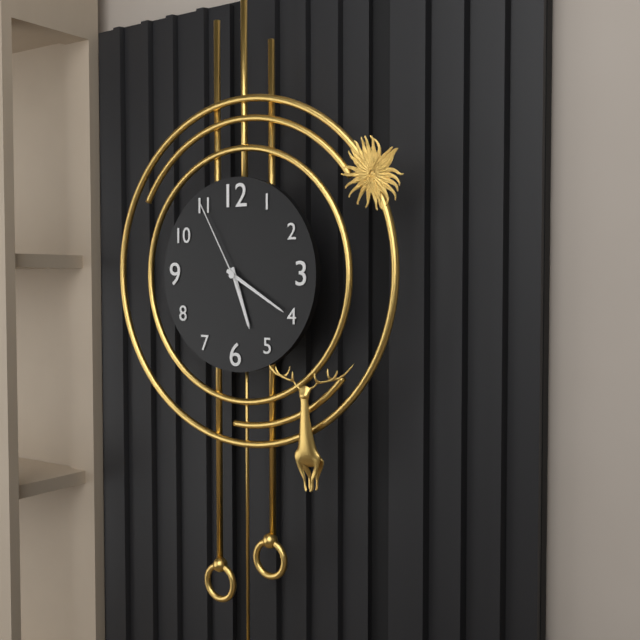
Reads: h=5 m=20 s=55
